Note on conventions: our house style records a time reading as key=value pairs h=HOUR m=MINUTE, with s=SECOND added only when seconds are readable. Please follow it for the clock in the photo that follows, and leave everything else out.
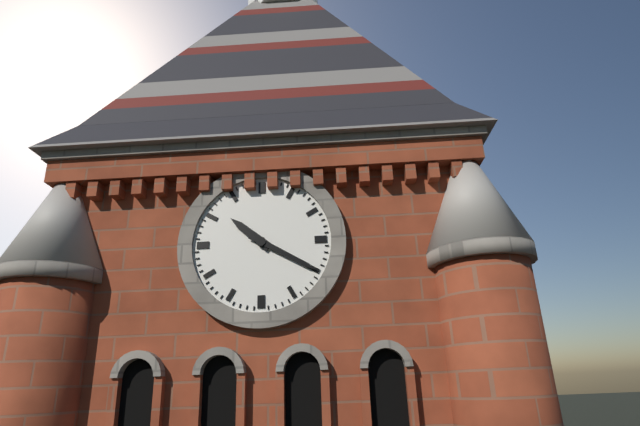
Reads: h=10 m=20
